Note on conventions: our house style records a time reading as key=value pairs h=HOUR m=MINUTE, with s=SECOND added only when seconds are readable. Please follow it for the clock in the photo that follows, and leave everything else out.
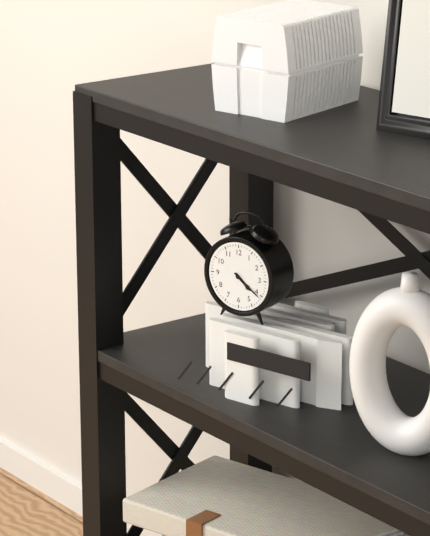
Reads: h=4 m=21
